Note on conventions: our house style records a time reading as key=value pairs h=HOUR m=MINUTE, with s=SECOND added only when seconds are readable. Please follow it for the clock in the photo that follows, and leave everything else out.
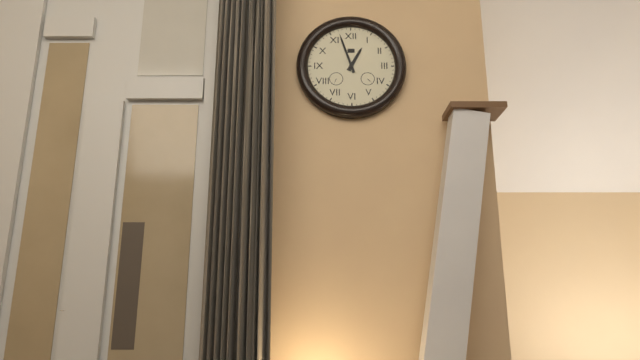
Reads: h=12 m=57
